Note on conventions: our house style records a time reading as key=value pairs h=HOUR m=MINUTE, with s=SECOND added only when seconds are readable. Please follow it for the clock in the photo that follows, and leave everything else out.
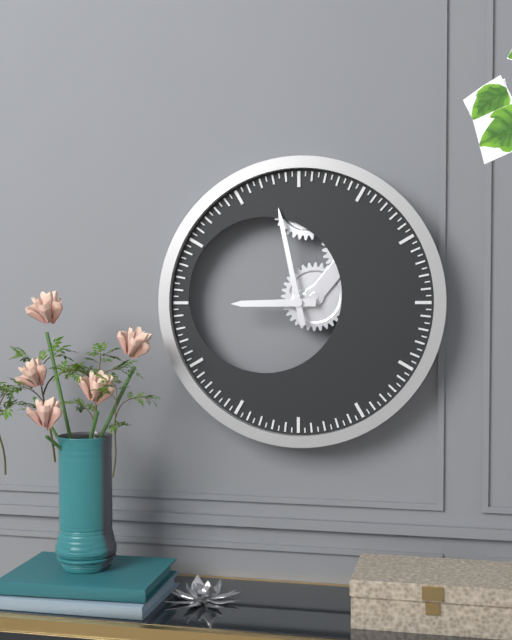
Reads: h=8 m=58
